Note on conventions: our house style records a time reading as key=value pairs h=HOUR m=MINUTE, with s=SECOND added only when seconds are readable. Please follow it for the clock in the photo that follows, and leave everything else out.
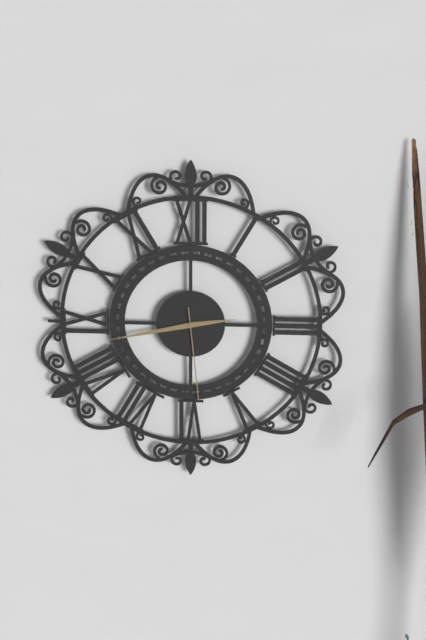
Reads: h=2 m=43 s=29
